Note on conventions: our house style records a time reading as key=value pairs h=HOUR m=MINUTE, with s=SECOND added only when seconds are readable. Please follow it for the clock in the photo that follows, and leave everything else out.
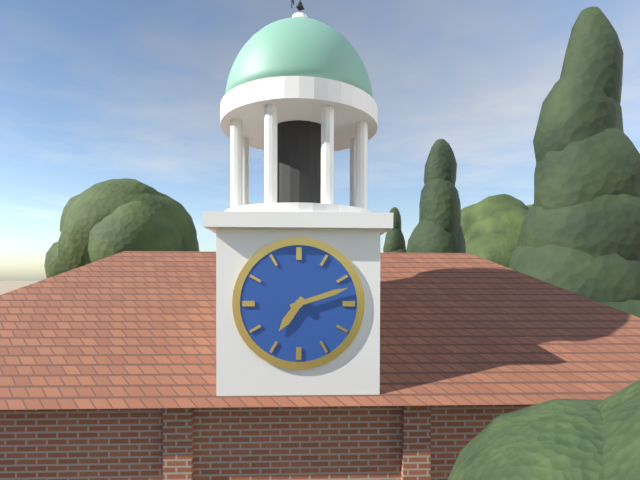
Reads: h=7 m=12
